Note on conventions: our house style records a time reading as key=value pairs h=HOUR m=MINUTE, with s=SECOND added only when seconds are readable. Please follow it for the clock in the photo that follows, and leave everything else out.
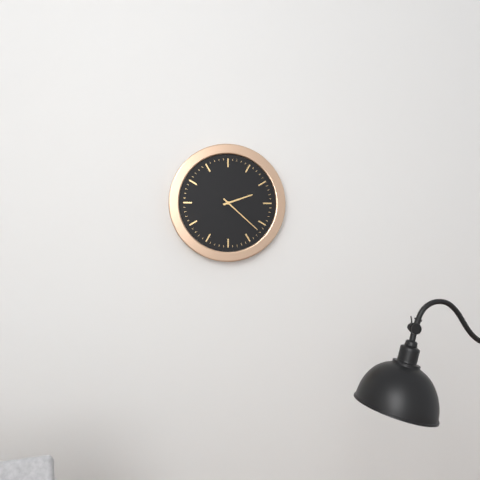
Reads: h=2 m=22
